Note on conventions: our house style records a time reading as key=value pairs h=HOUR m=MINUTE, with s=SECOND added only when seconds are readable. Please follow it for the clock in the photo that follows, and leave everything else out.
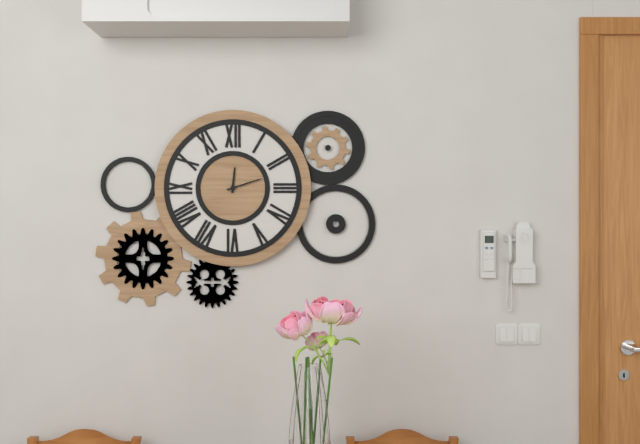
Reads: h=12 m=12
